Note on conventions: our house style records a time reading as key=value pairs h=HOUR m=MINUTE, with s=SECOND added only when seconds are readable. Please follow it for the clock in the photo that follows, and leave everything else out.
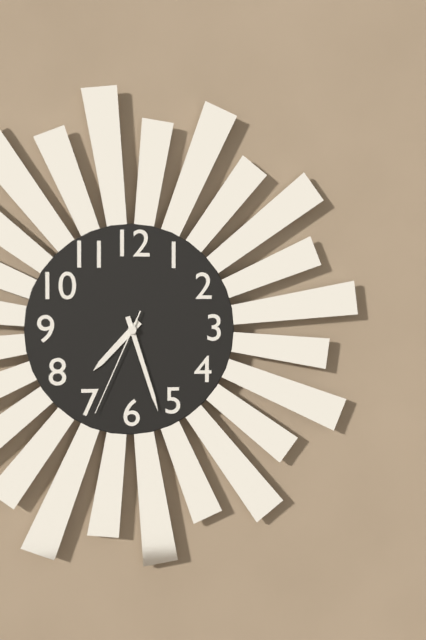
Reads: h=7 m=27 s=34
